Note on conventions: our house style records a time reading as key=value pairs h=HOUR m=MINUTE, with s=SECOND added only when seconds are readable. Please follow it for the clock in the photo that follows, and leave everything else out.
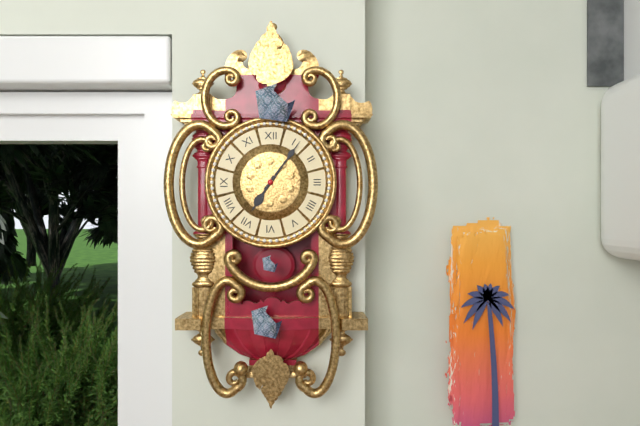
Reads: h=7 m=6
